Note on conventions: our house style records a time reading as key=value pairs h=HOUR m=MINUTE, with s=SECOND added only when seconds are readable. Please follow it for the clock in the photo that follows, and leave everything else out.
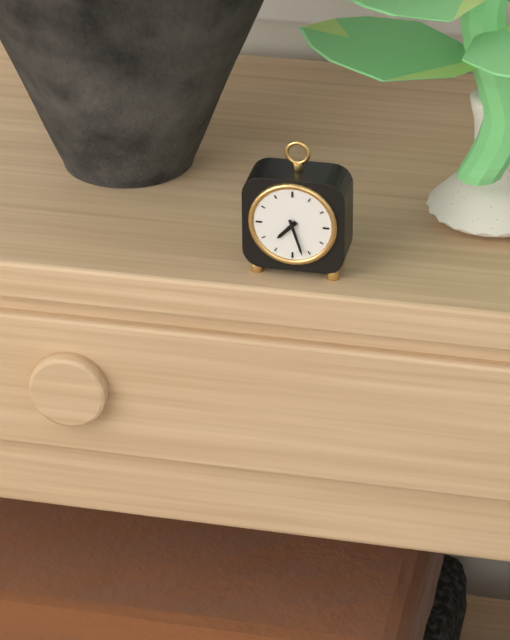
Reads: h=7 m=27
